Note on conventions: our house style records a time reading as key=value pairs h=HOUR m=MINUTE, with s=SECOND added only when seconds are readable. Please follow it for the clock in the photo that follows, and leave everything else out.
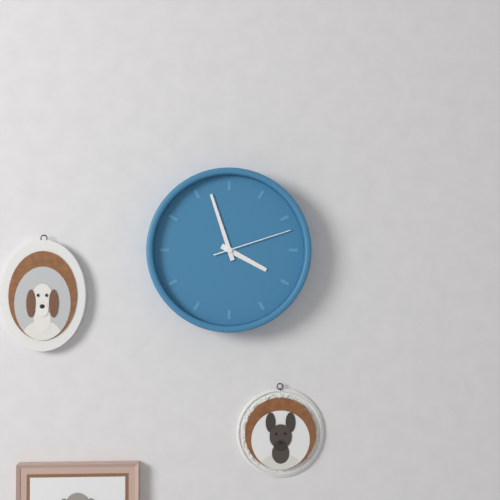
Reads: h=3 m=57 s=12
